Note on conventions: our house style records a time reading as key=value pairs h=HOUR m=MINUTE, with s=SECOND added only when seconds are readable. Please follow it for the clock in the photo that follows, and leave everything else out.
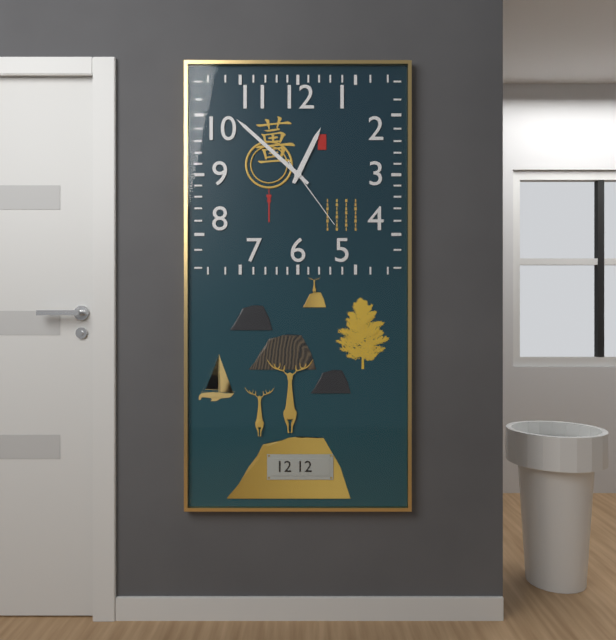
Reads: h=12 m=52 s=24
